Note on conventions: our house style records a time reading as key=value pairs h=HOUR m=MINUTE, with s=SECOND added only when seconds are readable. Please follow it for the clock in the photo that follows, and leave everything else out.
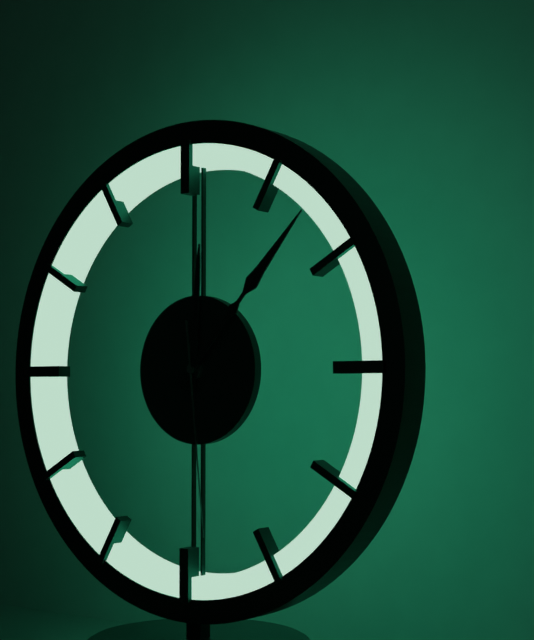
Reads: h=12 m=7 s=29
